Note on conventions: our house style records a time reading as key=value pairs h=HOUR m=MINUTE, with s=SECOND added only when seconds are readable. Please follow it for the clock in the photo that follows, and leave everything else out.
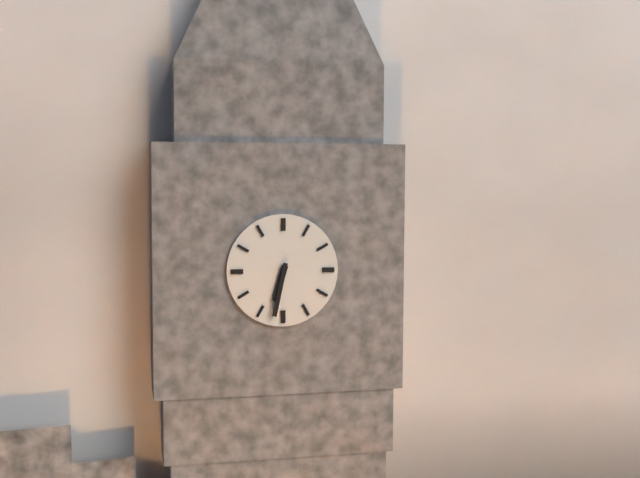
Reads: h=6 m=32
